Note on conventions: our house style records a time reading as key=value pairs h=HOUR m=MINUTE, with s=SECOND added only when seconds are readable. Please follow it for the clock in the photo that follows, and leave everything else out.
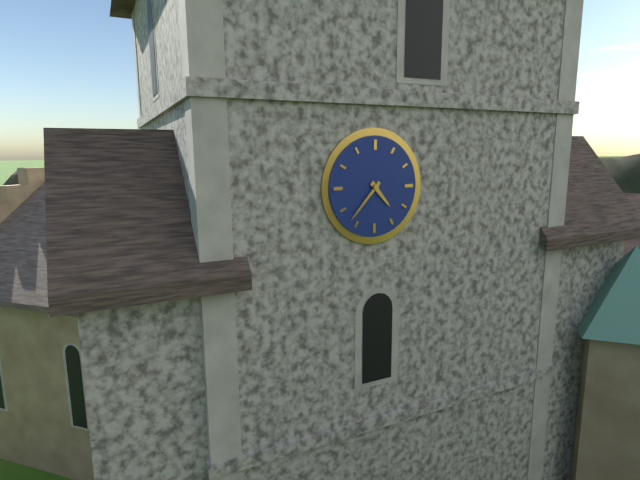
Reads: h=4 m=37
